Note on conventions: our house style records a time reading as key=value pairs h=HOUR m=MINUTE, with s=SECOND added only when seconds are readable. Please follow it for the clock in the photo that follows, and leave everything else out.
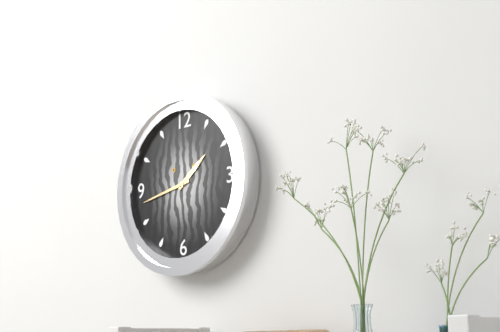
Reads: h=1 m=43
